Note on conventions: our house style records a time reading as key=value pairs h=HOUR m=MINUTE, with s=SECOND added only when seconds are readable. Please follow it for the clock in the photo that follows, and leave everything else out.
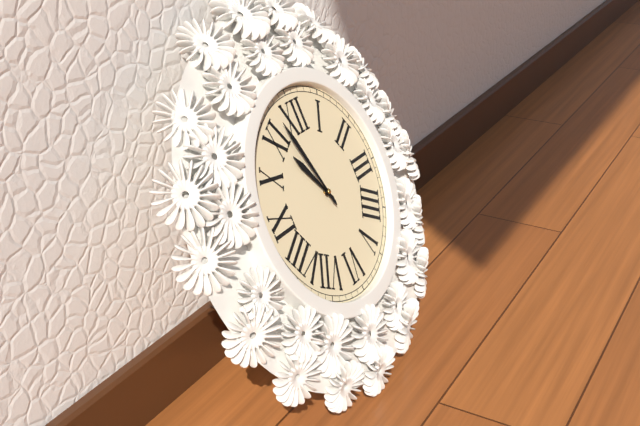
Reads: h=10 m=57
